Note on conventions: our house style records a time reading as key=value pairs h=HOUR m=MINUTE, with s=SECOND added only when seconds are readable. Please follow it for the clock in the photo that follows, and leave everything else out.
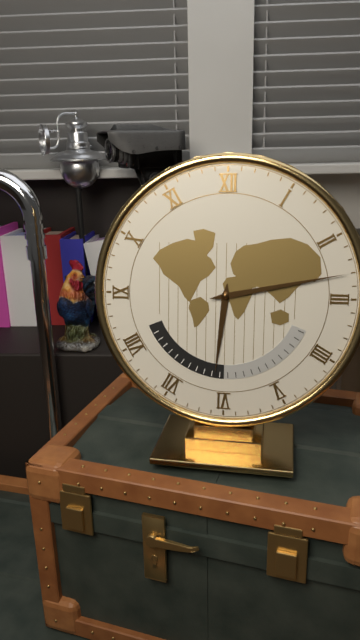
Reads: h=6 m=13
